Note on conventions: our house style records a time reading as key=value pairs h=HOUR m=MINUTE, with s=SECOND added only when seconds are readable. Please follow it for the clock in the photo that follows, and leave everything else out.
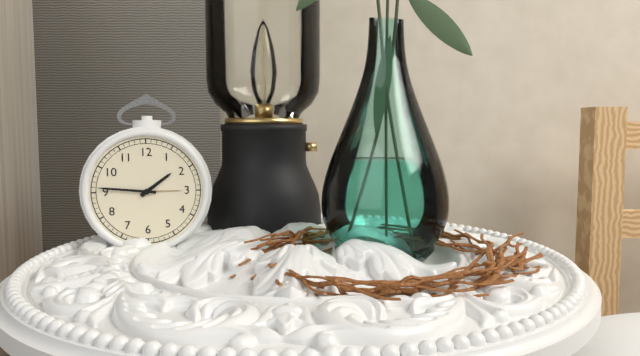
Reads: h=1 m=46
